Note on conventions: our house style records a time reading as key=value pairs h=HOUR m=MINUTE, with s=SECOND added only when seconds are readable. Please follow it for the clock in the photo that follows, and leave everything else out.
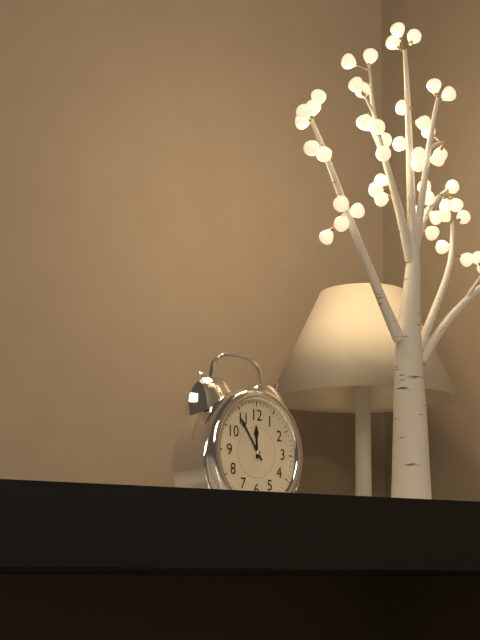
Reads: h=11 m=54
